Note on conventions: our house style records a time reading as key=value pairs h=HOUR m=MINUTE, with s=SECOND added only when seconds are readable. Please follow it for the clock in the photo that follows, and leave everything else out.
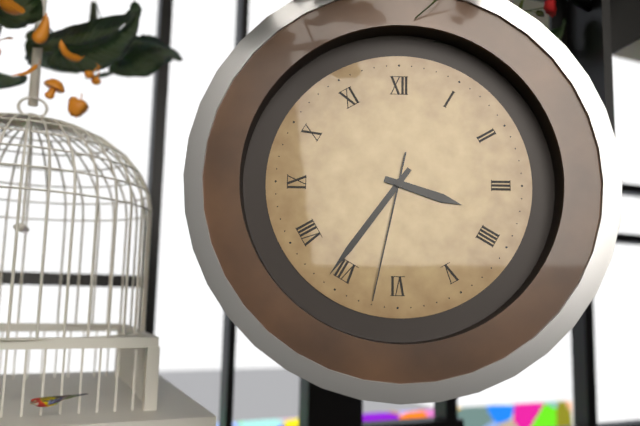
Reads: h=3 m=36 s=32
